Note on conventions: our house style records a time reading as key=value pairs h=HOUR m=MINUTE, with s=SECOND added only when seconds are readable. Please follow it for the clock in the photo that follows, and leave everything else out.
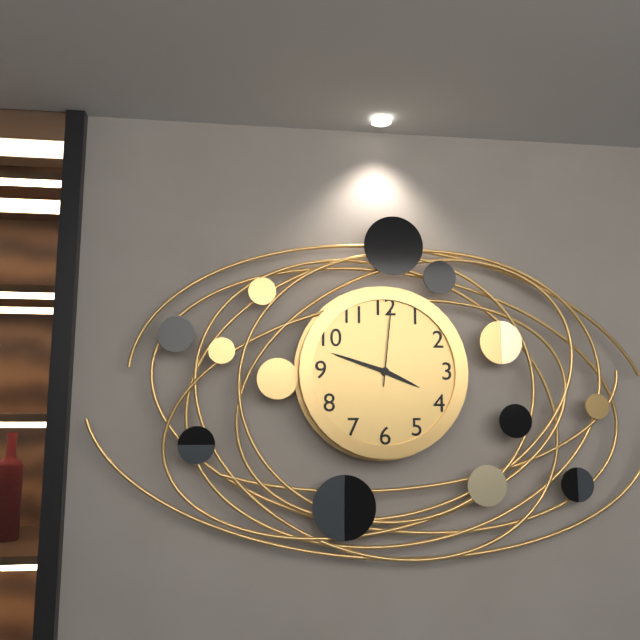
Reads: h=3 m=48 s=1
